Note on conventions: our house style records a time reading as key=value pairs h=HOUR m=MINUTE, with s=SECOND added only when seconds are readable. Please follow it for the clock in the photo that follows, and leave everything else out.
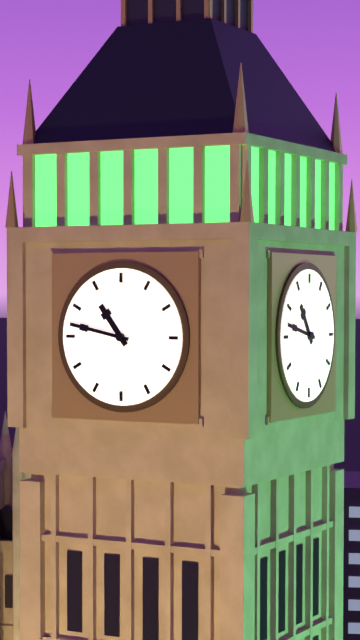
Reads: h=10 m=47
